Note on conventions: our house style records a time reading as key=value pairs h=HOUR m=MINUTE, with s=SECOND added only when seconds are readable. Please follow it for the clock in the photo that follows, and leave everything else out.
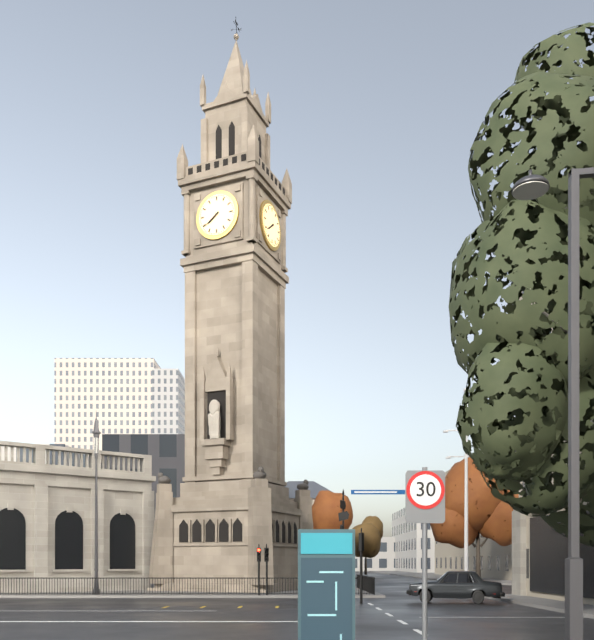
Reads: h=7 m=39
